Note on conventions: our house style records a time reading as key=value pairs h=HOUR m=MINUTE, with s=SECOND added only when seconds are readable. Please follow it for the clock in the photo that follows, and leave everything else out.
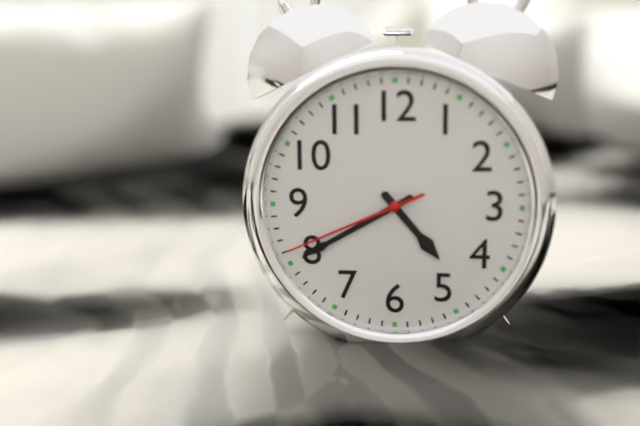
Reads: h=4 m=40 s=41
